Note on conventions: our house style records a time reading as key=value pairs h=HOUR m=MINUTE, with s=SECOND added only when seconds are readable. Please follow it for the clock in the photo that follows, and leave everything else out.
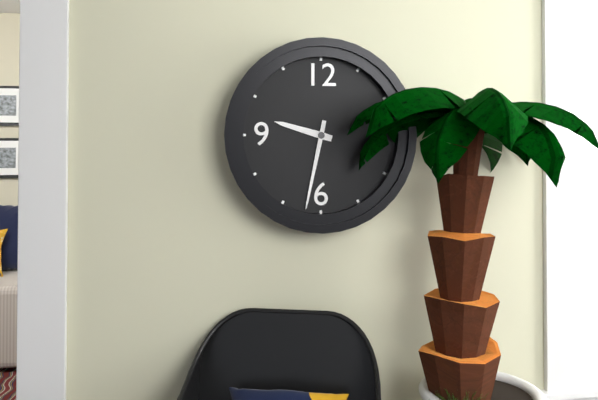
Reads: h=9 m=32
